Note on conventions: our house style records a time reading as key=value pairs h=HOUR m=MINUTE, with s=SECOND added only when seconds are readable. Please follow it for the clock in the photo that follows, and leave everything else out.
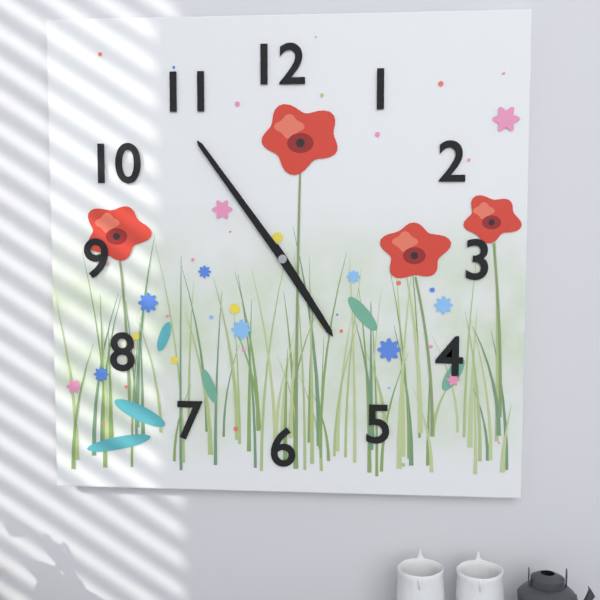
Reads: h=4 m=54
